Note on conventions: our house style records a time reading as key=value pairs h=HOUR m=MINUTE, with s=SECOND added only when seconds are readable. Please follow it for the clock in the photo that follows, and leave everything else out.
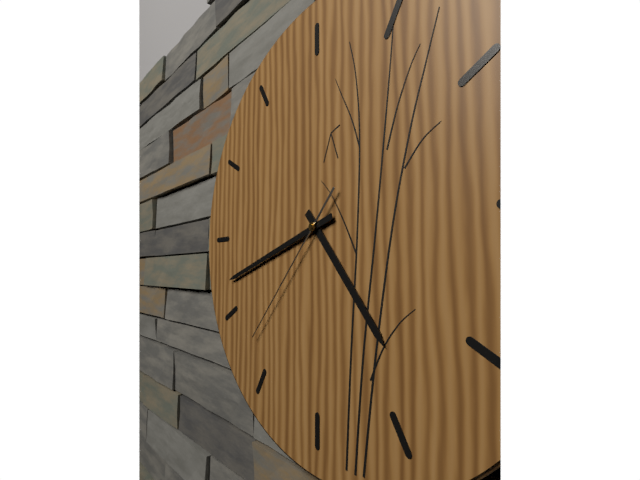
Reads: h=4 m=42 s=37
